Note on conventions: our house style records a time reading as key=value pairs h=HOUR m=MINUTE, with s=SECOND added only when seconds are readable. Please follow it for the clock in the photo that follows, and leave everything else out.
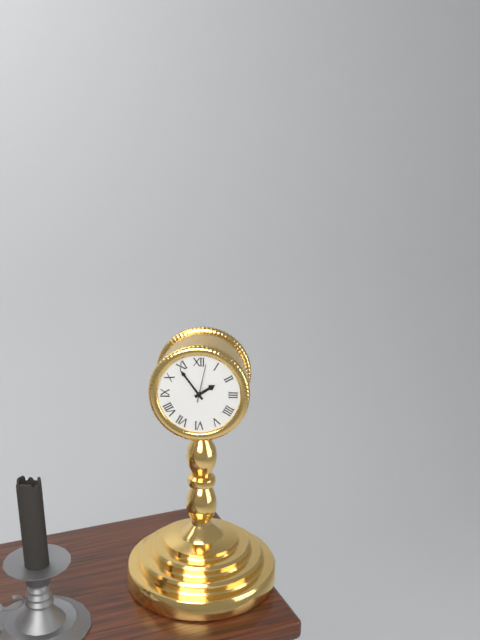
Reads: h=1 m=54
